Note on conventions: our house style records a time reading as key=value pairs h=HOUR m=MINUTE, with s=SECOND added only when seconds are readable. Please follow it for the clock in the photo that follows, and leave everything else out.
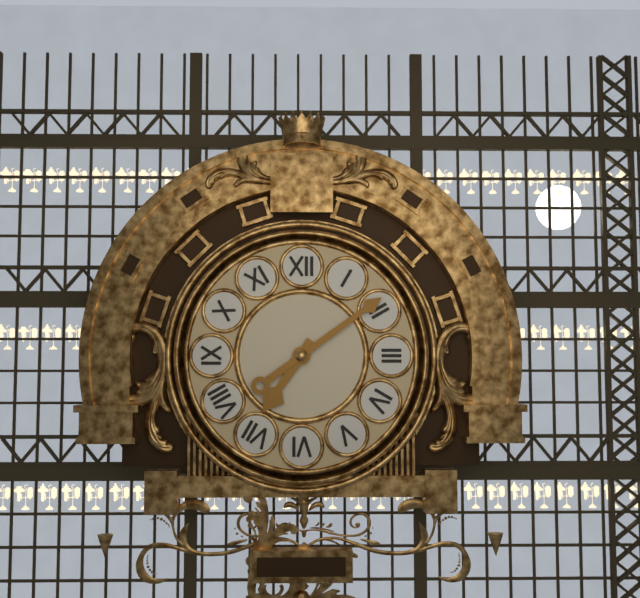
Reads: h=7 m=9
